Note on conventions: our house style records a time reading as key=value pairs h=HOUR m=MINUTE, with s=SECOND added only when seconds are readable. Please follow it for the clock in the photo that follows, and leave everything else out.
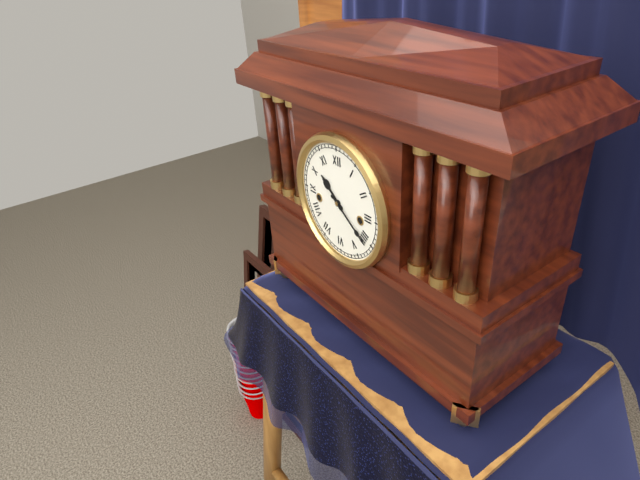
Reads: h=10 m=21
